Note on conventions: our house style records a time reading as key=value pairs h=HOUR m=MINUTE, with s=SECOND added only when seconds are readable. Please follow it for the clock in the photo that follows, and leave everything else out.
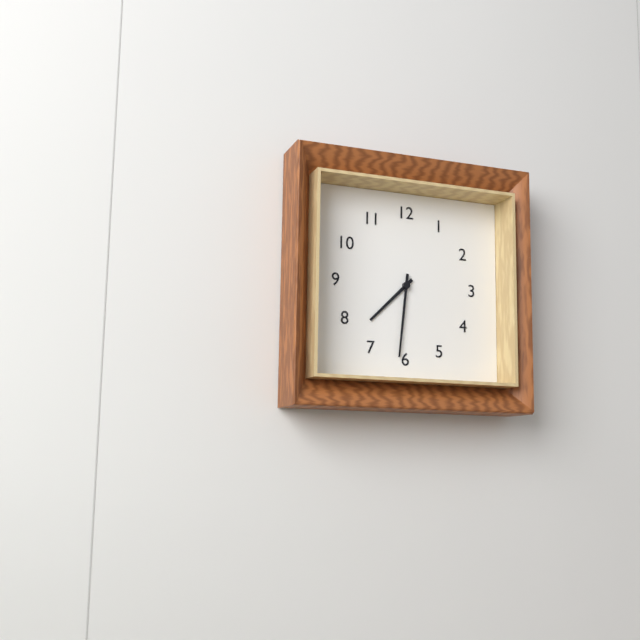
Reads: h=7 m=31
